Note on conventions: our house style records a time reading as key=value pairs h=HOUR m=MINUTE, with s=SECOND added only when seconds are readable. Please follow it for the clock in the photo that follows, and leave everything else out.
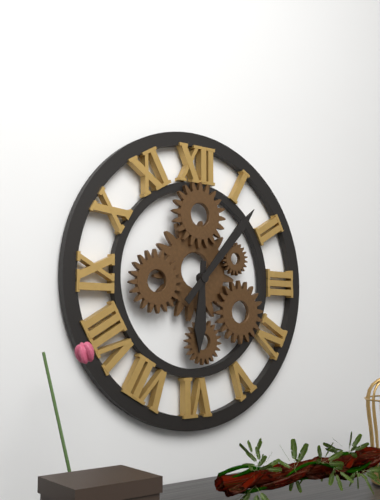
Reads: h=6 m=7
